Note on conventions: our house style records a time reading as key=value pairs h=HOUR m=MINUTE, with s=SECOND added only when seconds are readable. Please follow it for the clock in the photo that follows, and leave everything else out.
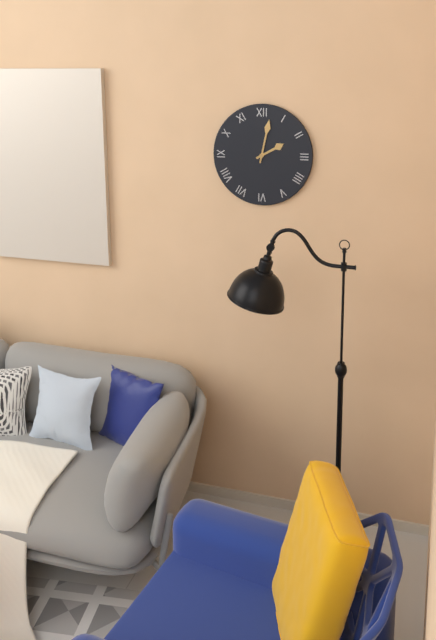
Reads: h=2 m=2
